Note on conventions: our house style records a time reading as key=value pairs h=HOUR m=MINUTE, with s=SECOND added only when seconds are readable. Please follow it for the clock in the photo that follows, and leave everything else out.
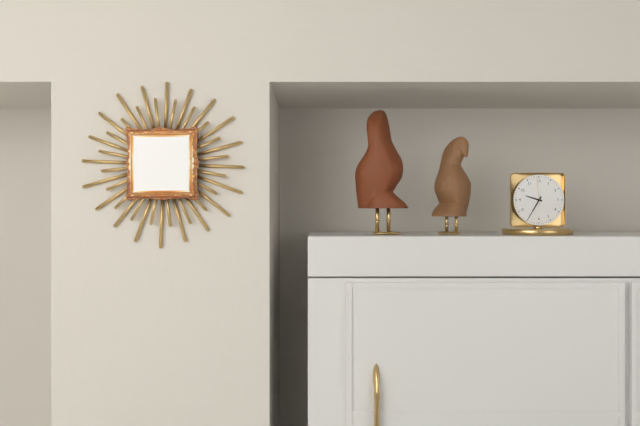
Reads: h=9 m=35
